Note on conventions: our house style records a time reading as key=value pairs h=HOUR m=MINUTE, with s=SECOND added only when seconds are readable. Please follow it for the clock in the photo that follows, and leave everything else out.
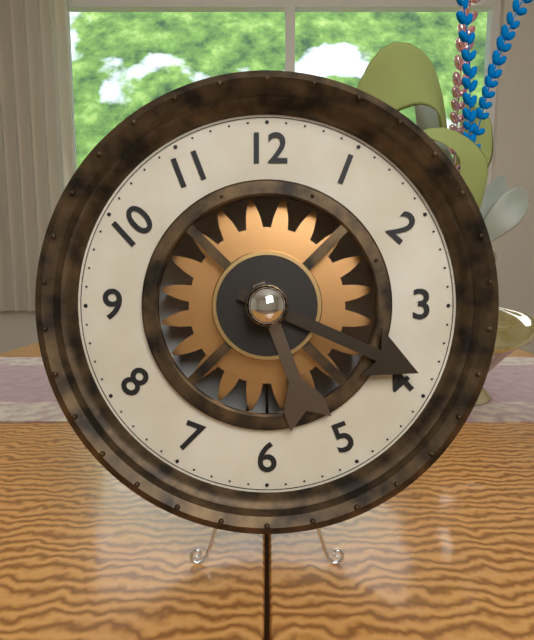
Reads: h=5 m=19
